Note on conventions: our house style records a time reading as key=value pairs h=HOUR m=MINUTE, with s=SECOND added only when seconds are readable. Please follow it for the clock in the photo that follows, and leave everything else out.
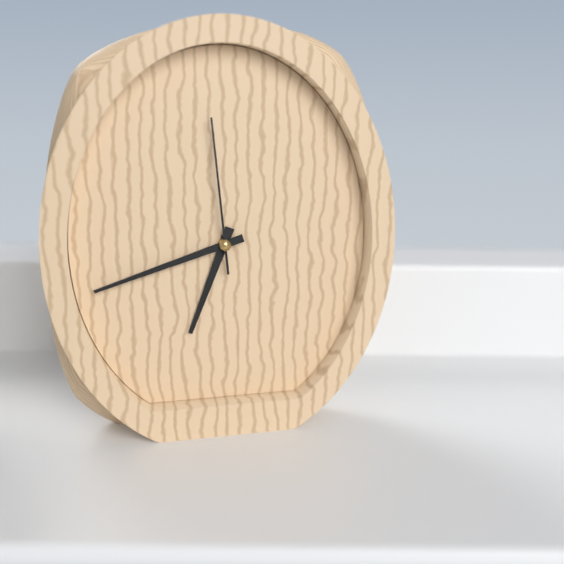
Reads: h=6 m=42 s=59
